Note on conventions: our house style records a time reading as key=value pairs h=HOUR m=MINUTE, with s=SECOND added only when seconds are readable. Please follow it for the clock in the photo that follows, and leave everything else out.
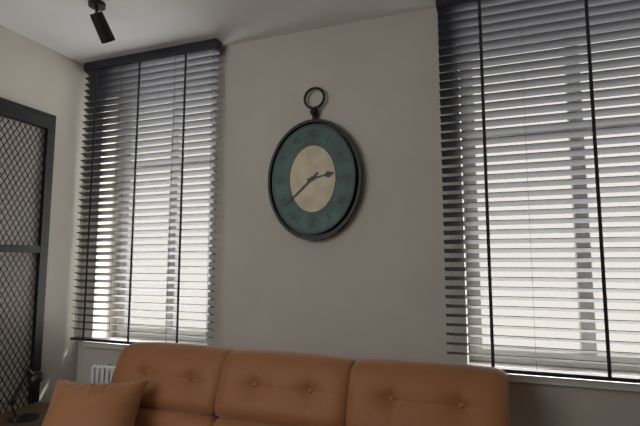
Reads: h=2 m=38
